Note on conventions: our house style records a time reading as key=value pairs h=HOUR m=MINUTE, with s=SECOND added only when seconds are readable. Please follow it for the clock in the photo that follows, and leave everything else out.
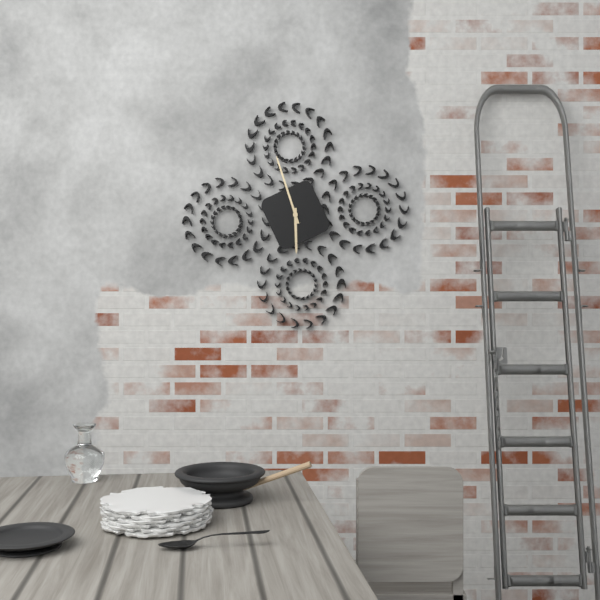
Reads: h=5 m=57
